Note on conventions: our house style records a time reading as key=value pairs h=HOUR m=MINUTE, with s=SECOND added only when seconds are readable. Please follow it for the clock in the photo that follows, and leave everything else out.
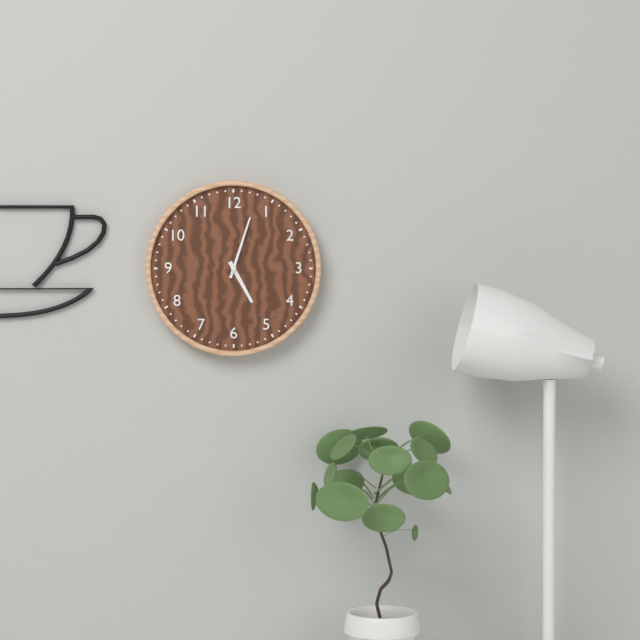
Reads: h=5 m=3
